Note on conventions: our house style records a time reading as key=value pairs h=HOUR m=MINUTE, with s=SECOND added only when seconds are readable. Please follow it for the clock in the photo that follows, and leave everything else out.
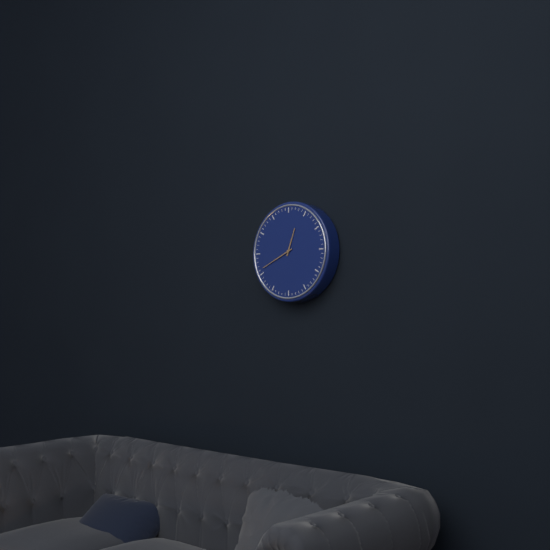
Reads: h=12 m=41
